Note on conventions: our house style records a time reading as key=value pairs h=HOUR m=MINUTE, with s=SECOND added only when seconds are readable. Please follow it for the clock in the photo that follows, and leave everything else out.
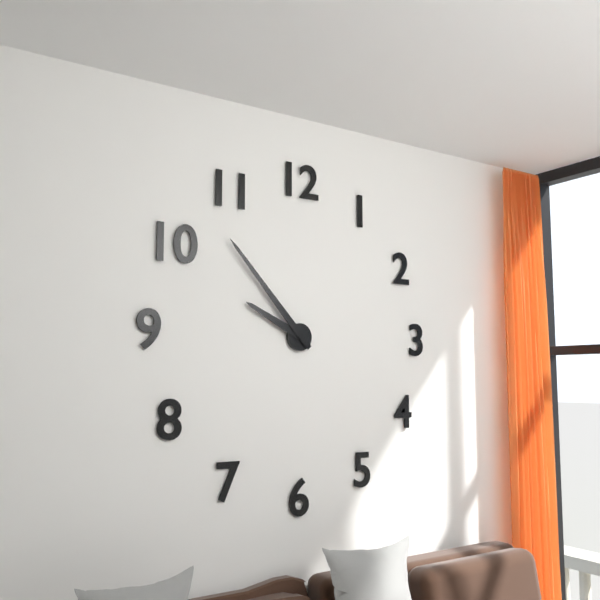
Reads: h=9 m=53
